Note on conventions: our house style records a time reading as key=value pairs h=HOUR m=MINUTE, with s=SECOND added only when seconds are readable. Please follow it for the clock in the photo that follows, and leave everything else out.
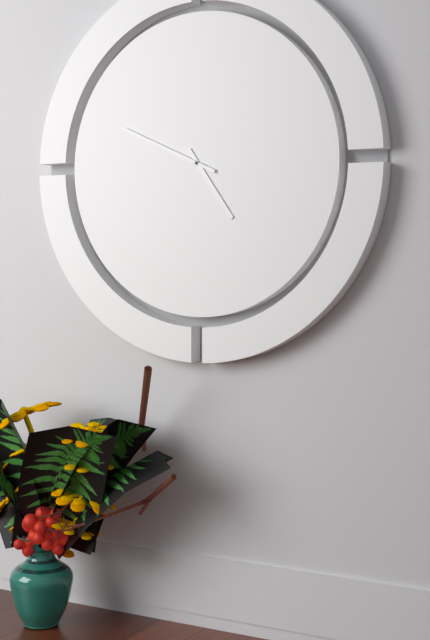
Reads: h=4 m=49
